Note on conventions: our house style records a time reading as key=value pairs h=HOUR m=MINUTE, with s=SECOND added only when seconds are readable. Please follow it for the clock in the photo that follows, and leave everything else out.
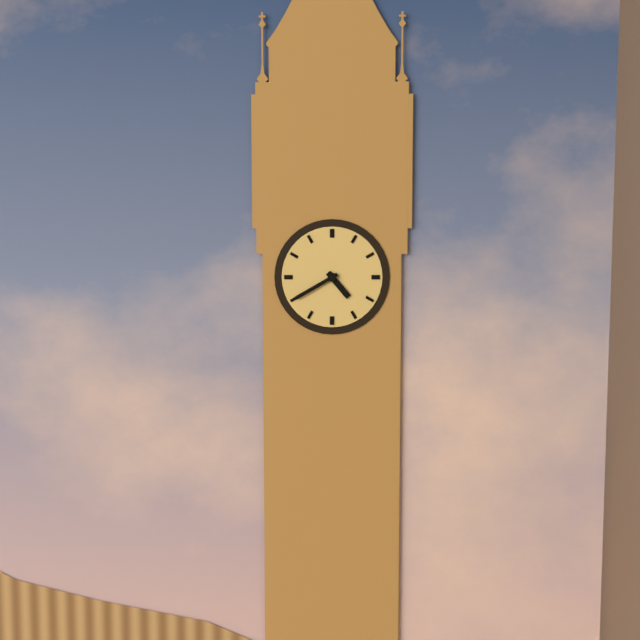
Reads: h=4 m=40
